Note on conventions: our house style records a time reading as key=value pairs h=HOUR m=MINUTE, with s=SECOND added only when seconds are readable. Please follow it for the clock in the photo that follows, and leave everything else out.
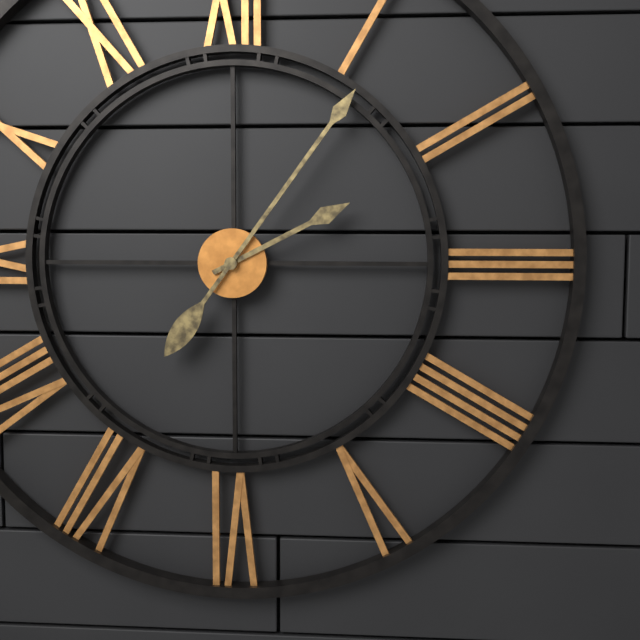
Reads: h=2 m=6
